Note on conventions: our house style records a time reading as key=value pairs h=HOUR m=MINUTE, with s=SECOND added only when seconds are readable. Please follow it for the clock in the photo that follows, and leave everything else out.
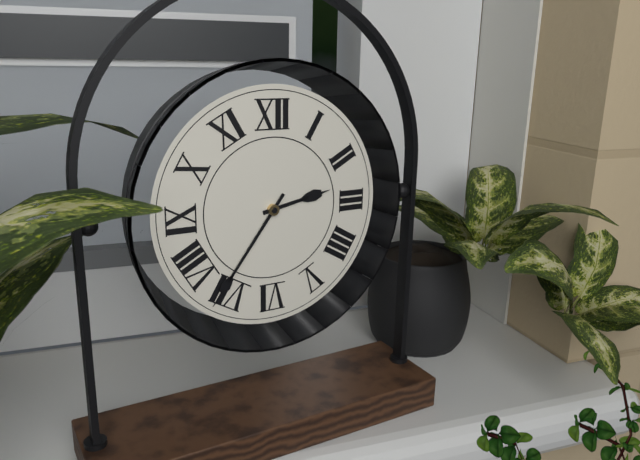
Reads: h=2 m=36
